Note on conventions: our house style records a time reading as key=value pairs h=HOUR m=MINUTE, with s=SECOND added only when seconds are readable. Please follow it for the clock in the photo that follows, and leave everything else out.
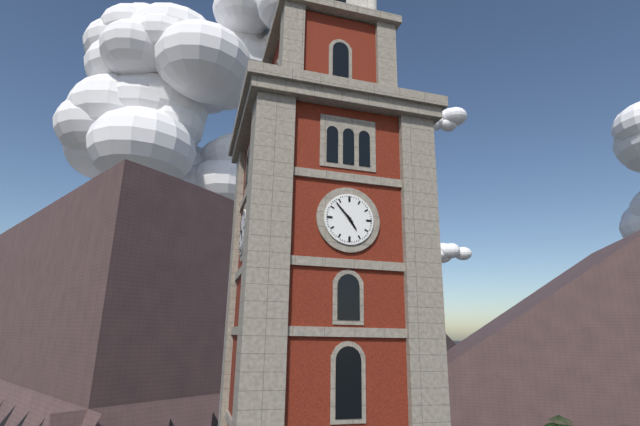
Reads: h=4 m=53
